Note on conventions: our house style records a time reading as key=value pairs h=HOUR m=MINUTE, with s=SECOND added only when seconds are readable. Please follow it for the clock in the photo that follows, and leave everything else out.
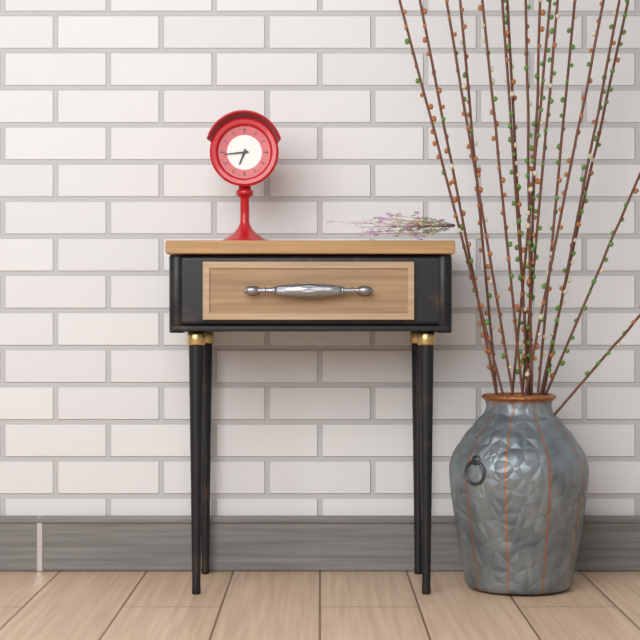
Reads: h=6 m=44
